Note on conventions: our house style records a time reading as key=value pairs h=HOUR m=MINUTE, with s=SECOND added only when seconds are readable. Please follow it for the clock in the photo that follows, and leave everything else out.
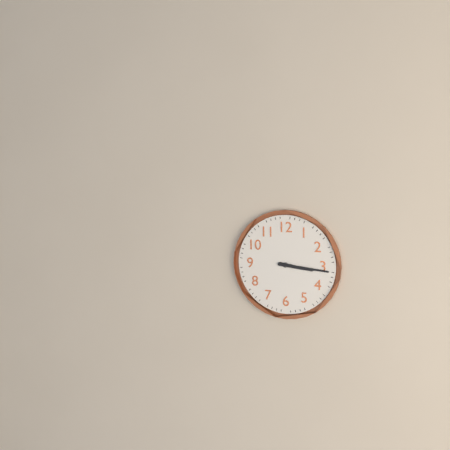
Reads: h=3 m=16
